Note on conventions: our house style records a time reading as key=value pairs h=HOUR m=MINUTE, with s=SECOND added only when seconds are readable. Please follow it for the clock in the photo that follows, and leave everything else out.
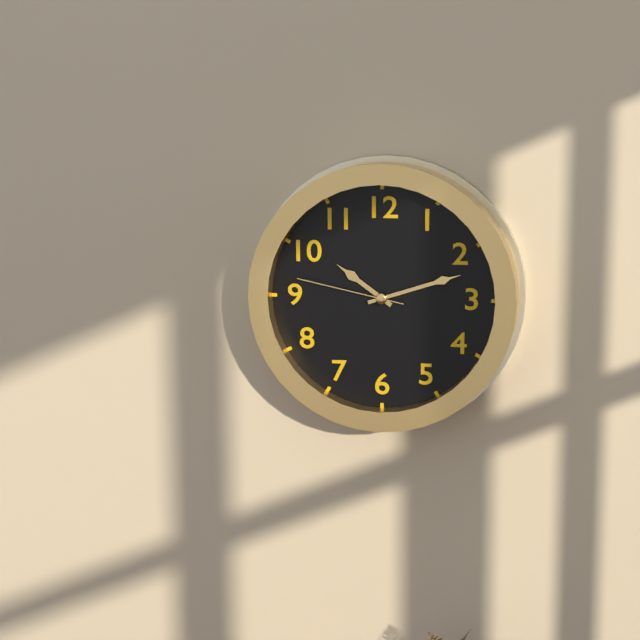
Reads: h=10 m=12 s=47
